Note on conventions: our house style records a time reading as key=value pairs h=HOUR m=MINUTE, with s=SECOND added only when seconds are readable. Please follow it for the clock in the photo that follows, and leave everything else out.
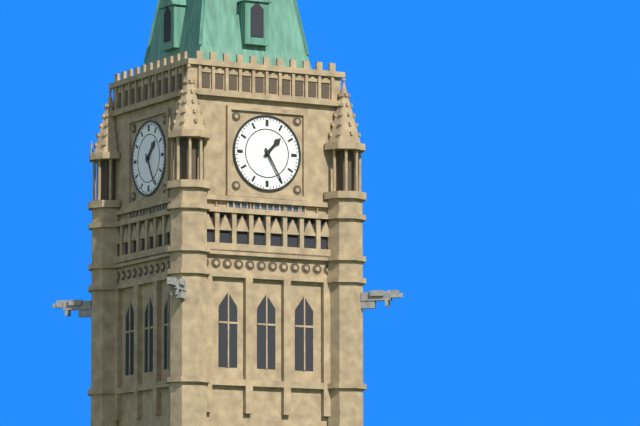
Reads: h=1 m=25
